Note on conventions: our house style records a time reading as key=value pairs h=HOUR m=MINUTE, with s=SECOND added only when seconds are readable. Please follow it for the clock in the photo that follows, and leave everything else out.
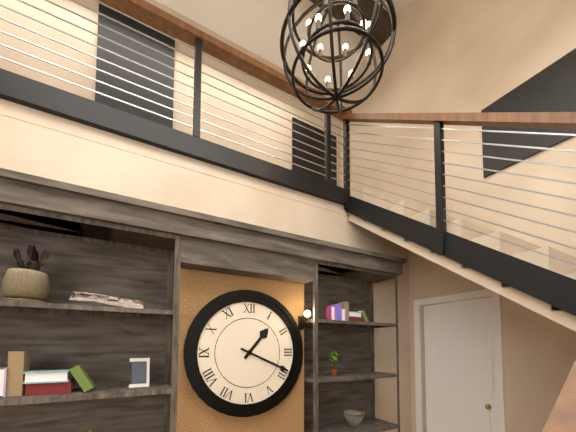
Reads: h=1 m=19
